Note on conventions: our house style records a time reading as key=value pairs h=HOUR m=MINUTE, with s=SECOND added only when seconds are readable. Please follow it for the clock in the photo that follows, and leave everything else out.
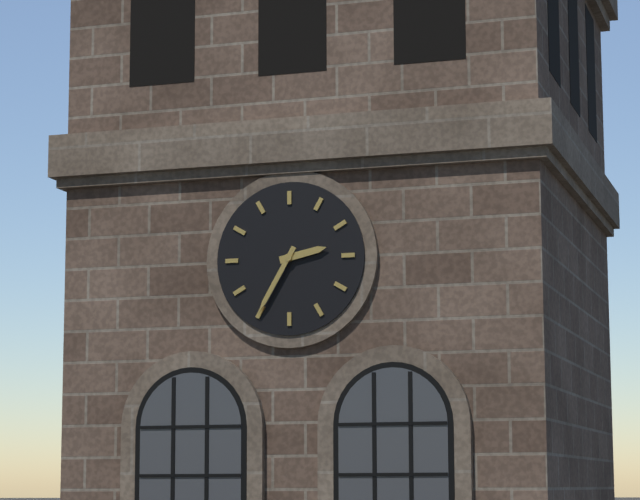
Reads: h=2 m=35
